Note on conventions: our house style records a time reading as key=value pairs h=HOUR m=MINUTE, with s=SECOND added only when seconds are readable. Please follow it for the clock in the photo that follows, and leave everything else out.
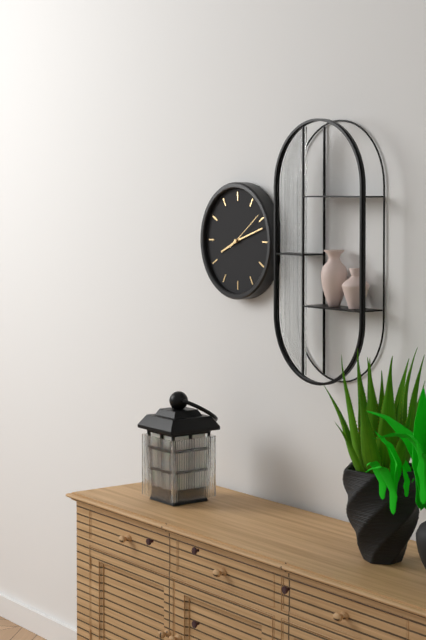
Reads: h=8 m=12
